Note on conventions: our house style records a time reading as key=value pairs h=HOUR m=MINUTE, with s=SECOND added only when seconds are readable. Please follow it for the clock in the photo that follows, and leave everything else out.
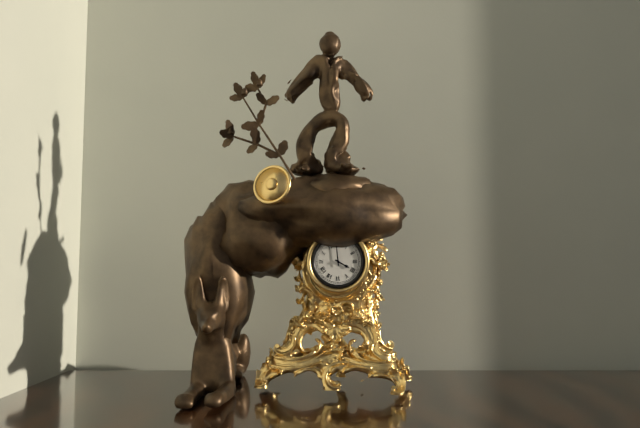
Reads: h=3 m=59
